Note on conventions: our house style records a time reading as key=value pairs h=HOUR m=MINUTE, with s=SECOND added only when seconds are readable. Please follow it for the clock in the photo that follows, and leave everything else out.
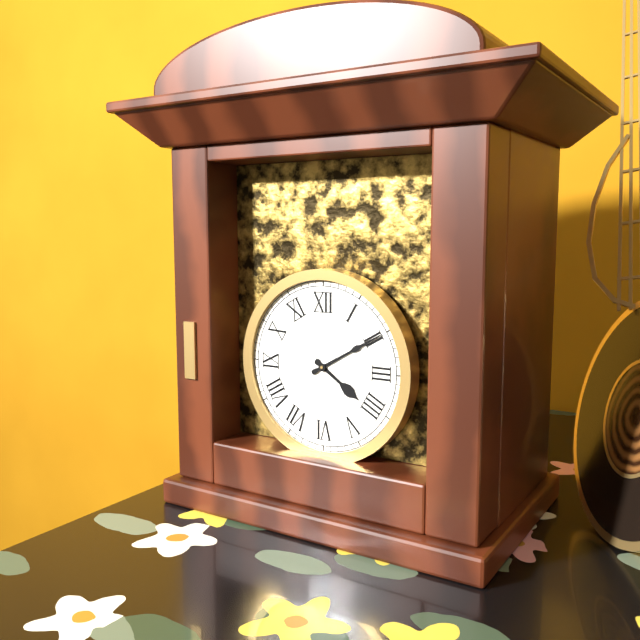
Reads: h=4 m=10
